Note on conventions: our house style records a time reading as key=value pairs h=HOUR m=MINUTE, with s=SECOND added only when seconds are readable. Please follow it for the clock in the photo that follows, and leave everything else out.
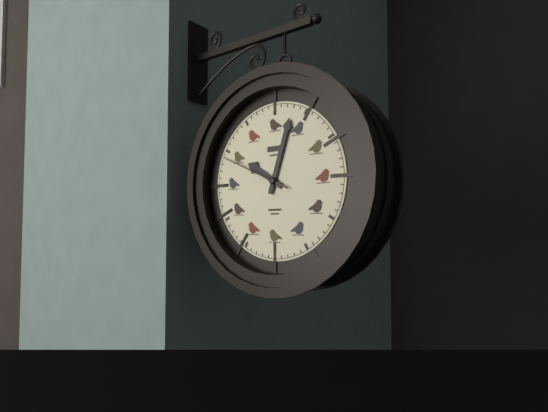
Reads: h=10 m=3 s=49
